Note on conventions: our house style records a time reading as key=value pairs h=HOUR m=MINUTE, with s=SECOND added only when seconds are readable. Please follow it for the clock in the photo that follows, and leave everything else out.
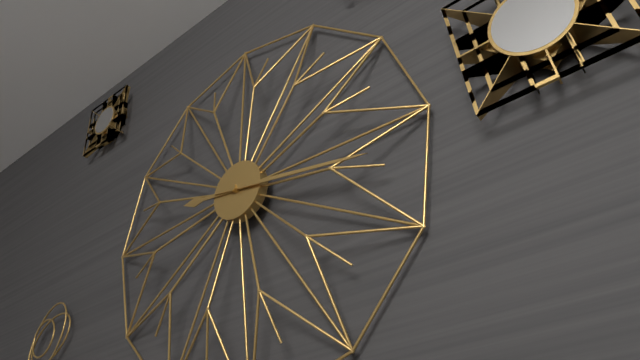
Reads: h=9 m=17
